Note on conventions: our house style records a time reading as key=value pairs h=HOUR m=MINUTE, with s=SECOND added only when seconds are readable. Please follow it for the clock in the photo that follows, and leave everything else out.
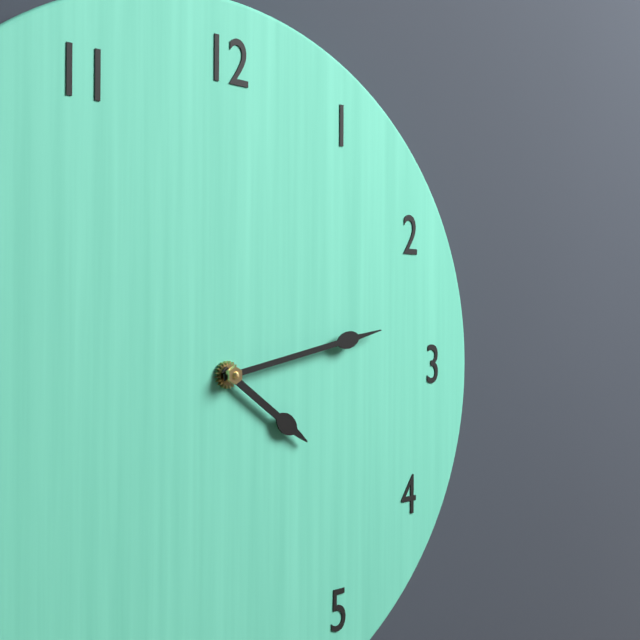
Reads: h=4 m=13
